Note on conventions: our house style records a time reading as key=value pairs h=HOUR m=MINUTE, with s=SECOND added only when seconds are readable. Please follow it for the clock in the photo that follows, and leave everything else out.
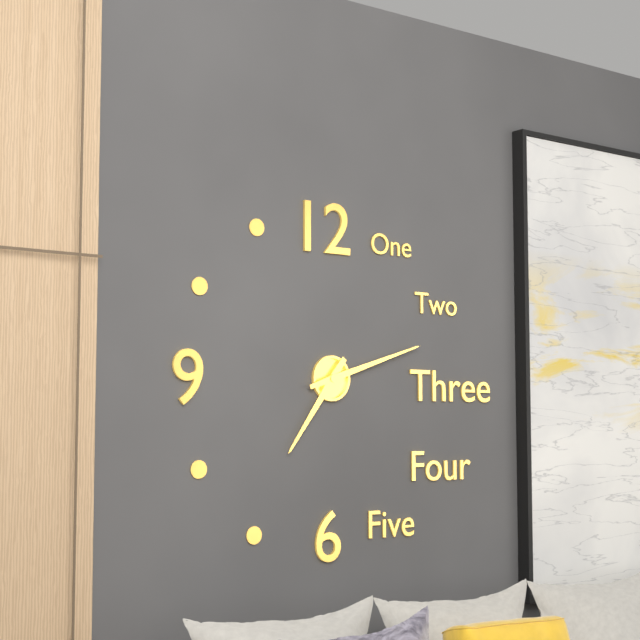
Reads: h=7 m=12
